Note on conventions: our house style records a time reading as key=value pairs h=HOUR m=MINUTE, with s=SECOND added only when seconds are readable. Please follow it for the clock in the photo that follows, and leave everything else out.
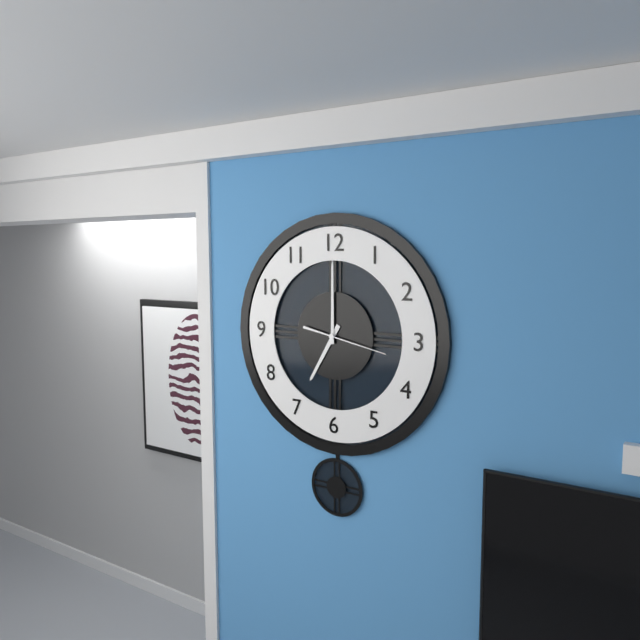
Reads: h=7 m=0 s=17
